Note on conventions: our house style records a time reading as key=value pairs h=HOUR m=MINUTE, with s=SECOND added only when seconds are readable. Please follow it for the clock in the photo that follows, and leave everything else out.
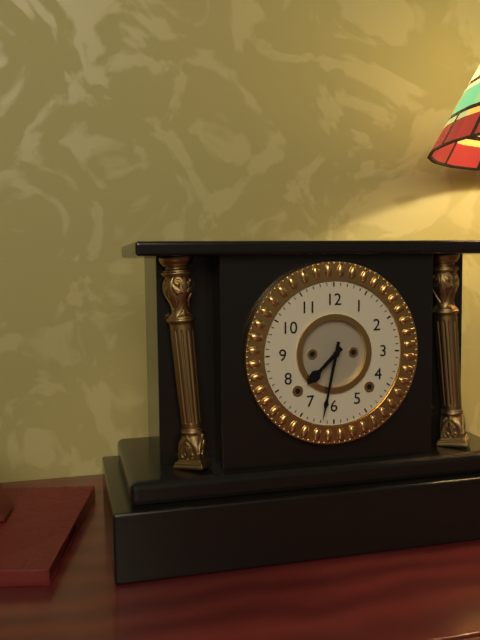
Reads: h=7 m=32
